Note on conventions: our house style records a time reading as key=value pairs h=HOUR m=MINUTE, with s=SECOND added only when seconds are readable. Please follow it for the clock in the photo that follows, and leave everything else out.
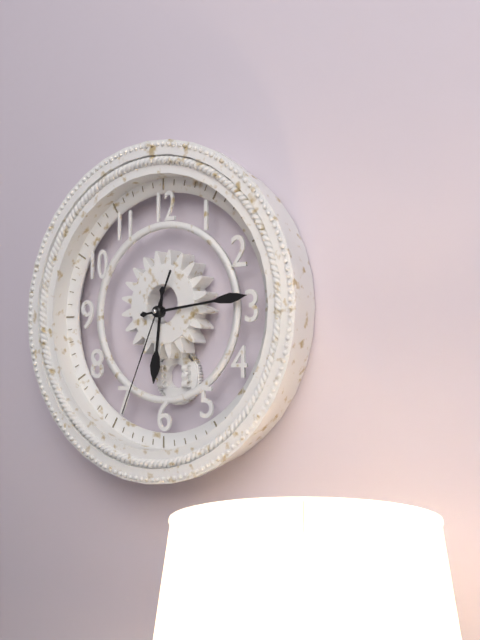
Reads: h=6 m=14 s=34
